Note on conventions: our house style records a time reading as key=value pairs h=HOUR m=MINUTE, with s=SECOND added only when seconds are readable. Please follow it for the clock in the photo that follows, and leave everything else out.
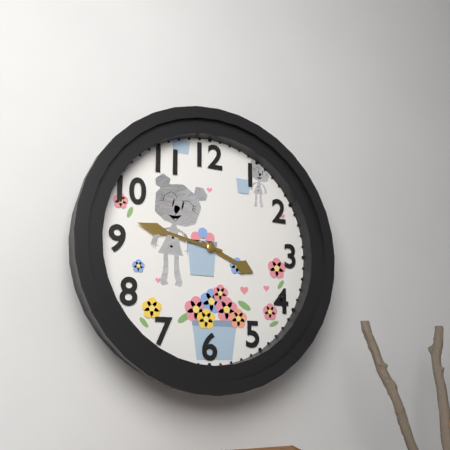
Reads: h=3 m=47
